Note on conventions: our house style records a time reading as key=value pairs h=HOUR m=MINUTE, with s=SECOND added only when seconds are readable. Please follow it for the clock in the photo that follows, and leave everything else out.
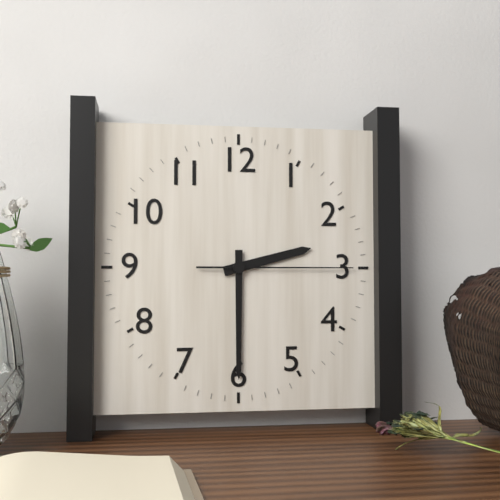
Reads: h=2 m=30 s=15
